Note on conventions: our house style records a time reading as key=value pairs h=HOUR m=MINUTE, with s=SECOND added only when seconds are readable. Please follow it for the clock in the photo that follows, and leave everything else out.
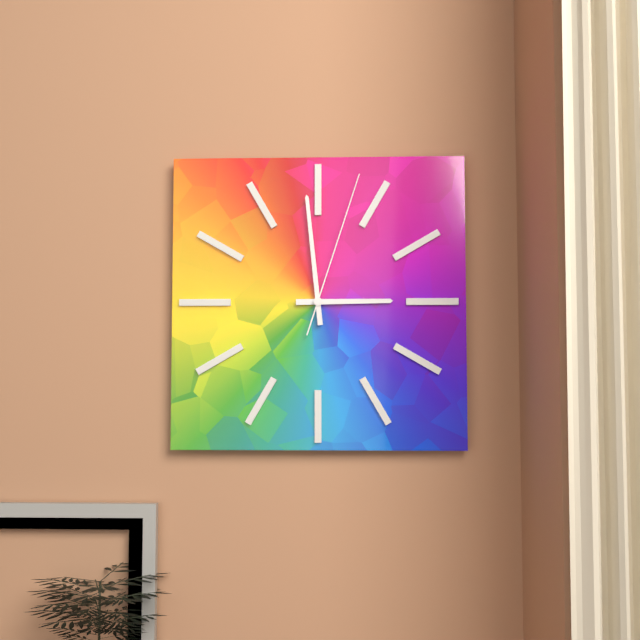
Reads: h=2 m=59 s=3
